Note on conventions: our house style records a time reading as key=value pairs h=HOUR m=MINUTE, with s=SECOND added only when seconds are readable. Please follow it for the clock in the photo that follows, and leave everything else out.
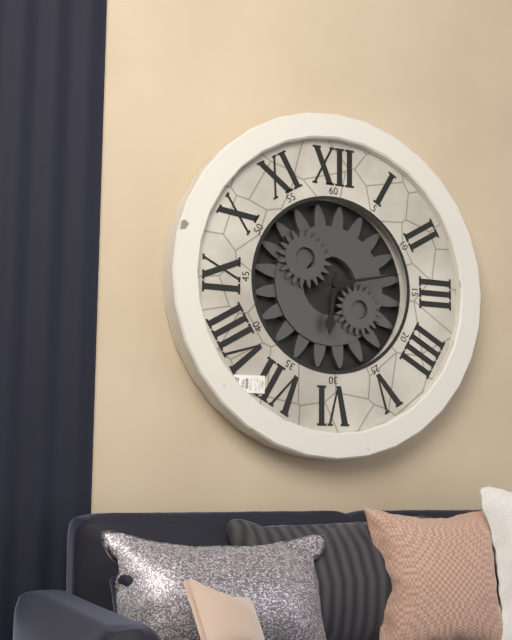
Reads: h=6 m=13
